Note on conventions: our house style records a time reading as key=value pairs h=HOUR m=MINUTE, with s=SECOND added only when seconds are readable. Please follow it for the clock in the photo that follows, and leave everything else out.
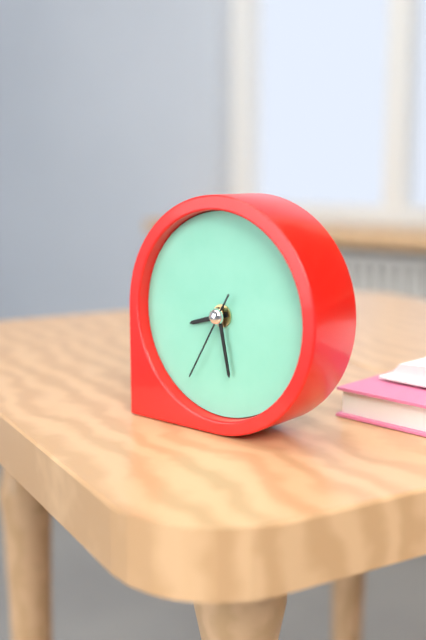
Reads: h=8 m=28 s=35
